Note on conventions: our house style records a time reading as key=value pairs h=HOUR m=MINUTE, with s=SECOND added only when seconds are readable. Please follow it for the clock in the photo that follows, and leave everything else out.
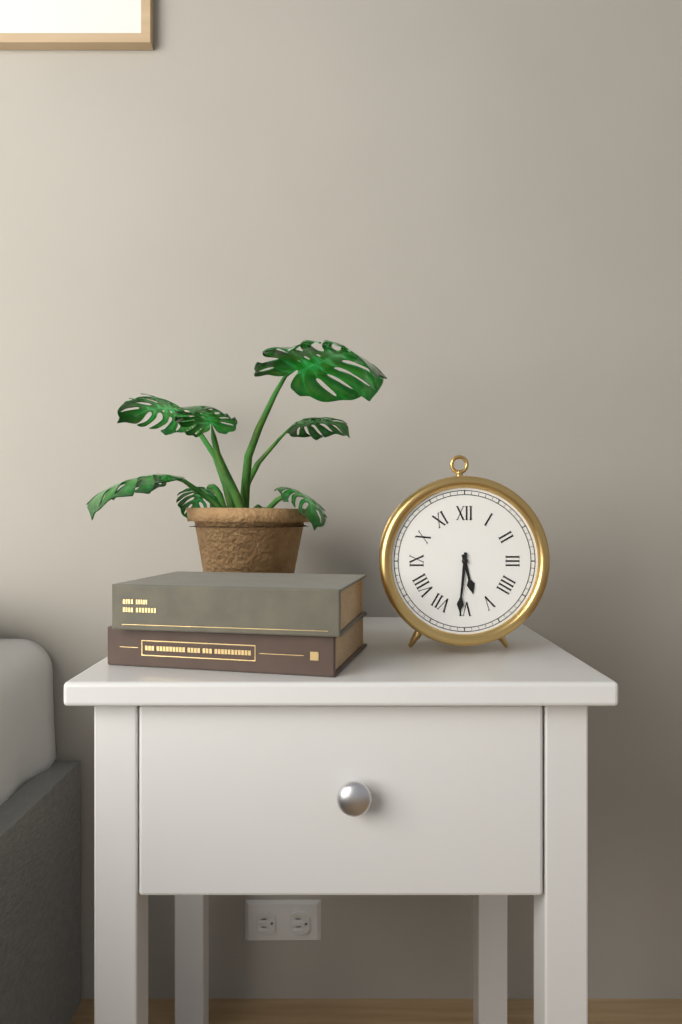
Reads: h=5 m=31
